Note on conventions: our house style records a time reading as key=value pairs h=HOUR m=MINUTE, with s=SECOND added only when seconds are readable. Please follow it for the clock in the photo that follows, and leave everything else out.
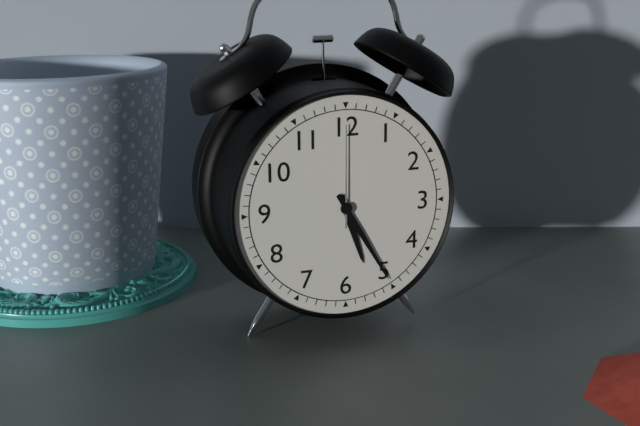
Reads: h=5 m=25 s=0
